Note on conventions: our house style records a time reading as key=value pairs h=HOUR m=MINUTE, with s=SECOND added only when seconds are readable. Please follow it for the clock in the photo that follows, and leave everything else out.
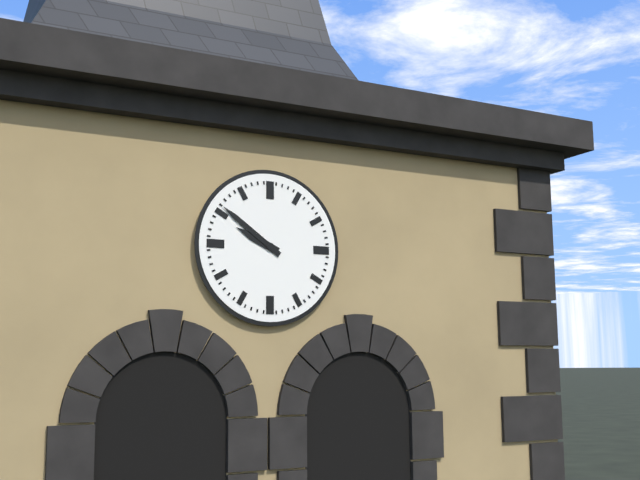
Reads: h=9 m=51
